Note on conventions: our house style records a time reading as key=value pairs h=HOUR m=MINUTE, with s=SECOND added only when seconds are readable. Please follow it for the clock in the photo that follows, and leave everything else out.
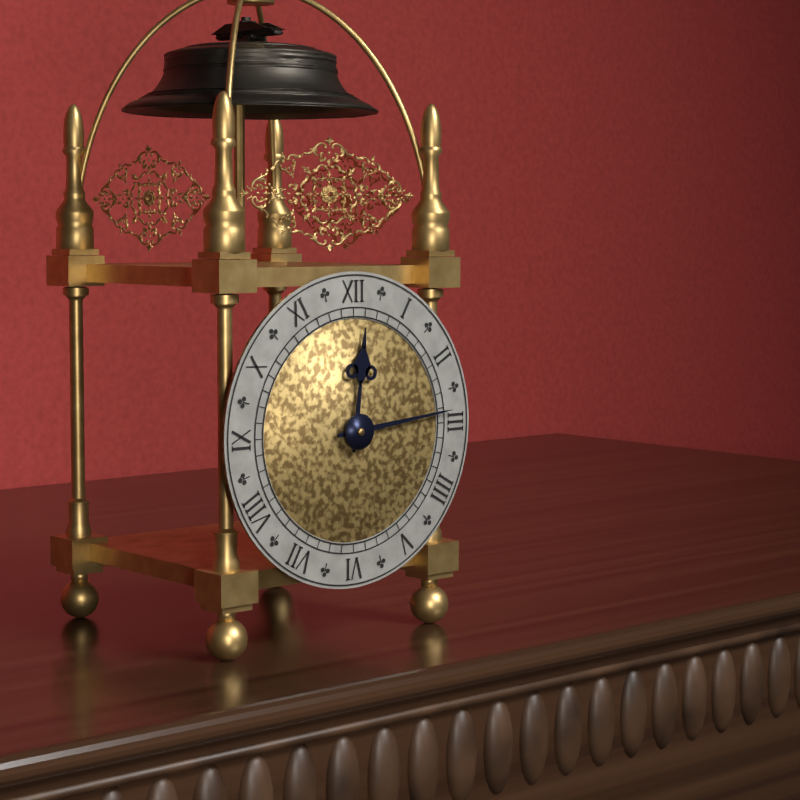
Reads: h=12 m=14
